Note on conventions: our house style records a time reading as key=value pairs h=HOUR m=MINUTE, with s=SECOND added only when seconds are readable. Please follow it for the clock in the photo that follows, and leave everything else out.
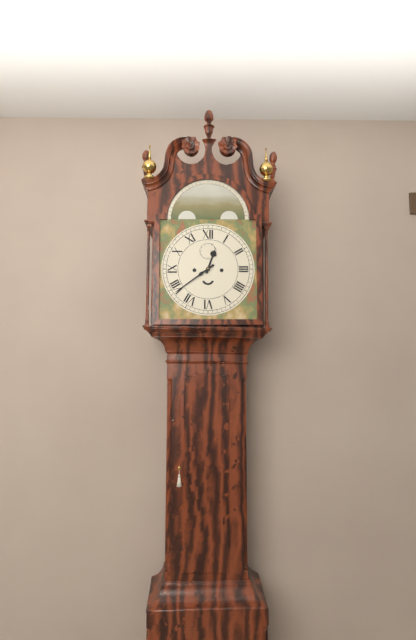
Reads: h=12 m=39
